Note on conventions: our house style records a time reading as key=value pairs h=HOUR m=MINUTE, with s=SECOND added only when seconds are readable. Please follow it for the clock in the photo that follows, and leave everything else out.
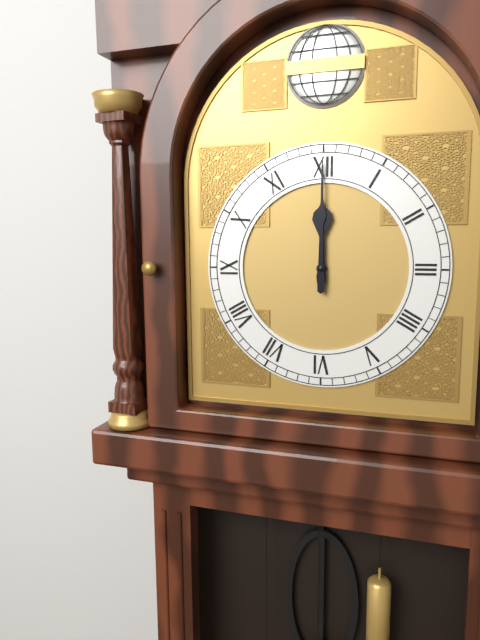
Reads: h=12 m=0
